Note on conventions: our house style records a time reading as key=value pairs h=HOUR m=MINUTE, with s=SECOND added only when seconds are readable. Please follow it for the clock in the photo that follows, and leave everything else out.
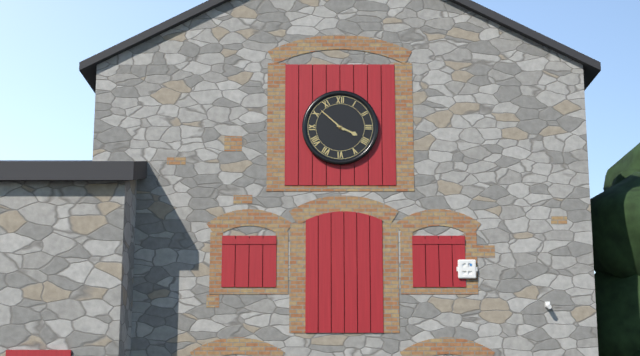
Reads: h=3 m=52
